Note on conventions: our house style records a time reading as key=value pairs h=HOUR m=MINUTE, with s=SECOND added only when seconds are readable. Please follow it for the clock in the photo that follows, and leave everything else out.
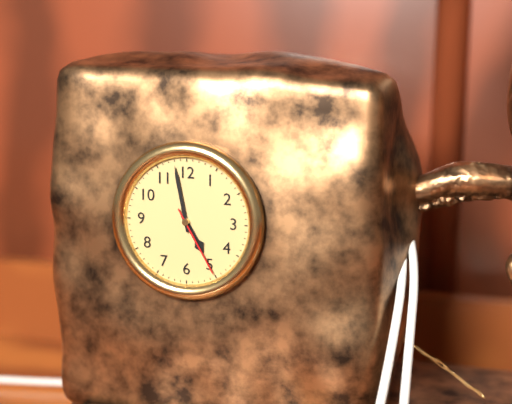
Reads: h=4 m=58 s=25
